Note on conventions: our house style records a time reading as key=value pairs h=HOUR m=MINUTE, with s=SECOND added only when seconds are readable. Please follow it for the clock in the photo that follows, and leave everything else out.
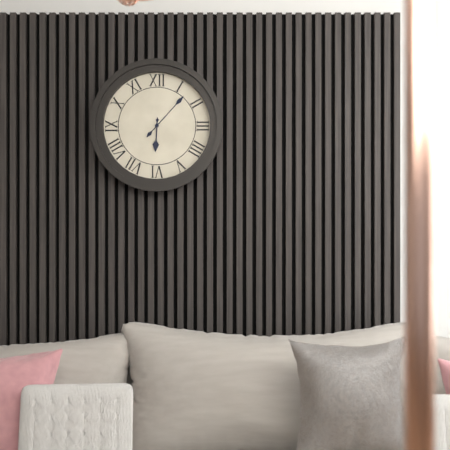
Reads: h=6 m=7
